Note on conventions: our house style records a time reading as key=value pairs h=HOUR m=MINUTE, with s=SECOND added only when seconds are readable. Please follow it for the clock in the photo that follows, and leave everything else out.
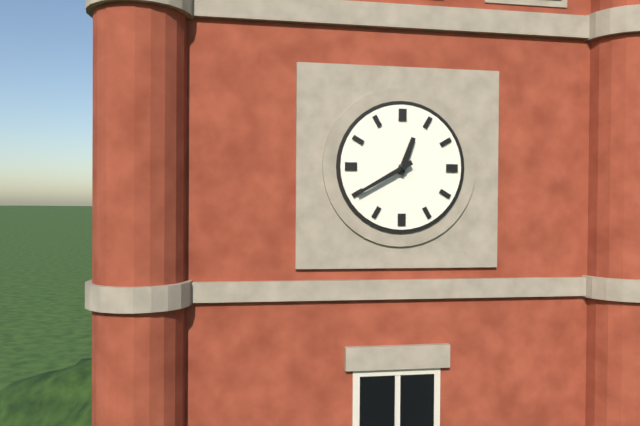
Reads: h=12 m=40
